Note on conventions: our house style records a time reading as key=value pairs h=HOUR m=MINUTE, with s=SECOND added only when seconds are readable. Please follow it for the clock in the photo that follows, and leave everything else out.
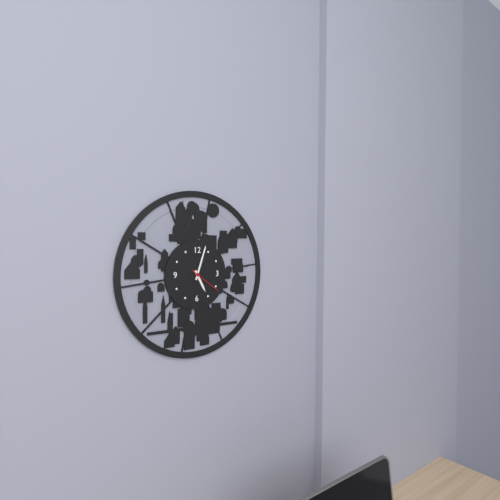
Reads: h=5 m=3
